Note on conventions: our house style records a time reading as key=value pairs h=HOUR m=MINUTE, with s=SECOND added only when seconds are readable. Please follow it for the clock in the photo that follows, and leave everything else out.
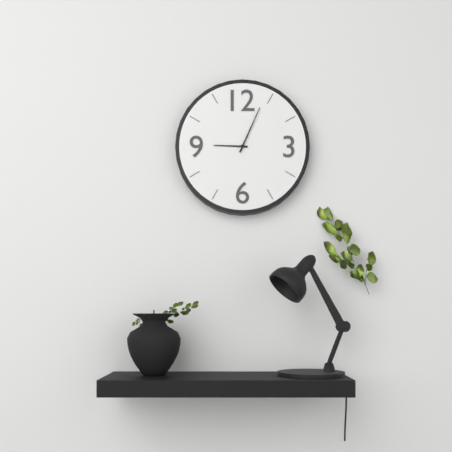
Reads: h=9 m=4
